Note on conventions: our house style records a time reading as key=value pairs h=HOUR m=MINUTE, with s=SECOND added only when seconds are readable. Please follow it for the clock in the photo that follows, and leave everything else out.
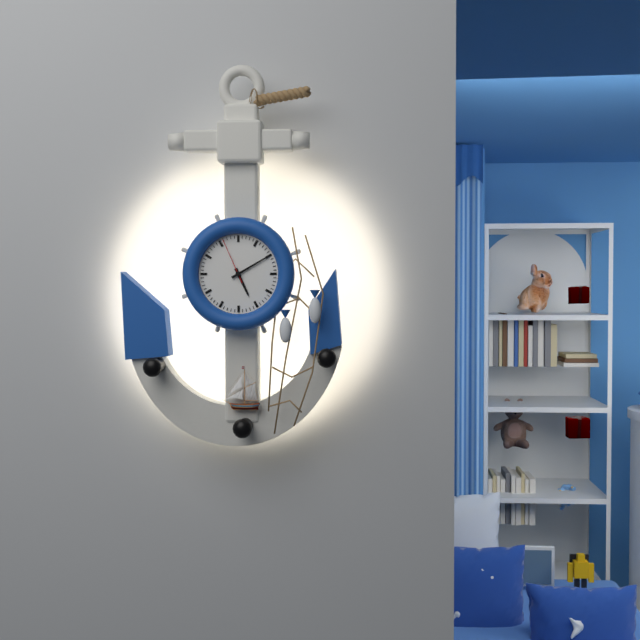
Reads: h=5 m=10
